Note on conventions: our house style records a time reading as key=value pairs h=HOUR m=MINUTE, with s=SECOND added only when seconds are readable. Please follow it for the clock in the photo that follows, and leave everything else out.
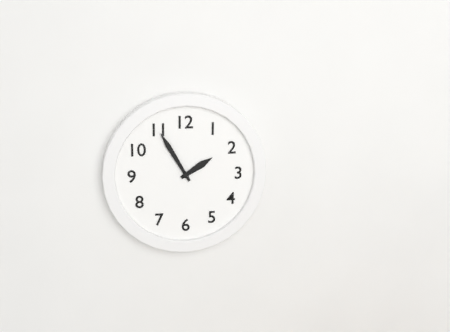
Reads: h=1 m=55
